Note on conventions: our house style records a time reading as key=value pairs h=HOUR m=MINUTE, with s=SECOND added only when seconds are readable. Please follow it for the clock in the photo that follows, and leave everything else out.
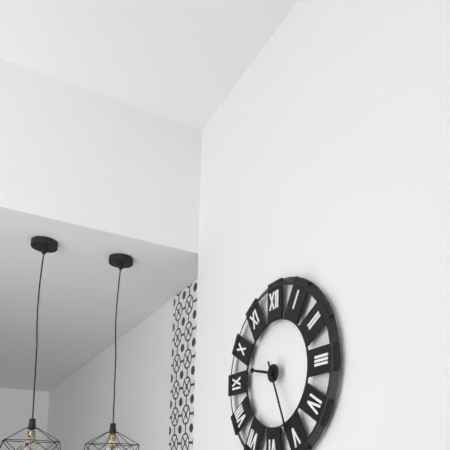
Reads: h=9 m=26
